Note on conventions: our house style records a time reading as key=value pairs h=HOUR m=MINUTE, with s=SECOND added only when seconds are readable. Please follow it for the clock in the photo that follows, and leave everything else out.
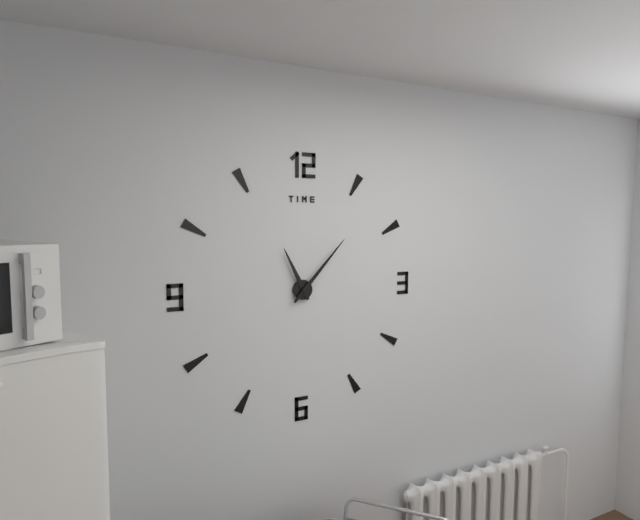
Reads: h=11 m=7
